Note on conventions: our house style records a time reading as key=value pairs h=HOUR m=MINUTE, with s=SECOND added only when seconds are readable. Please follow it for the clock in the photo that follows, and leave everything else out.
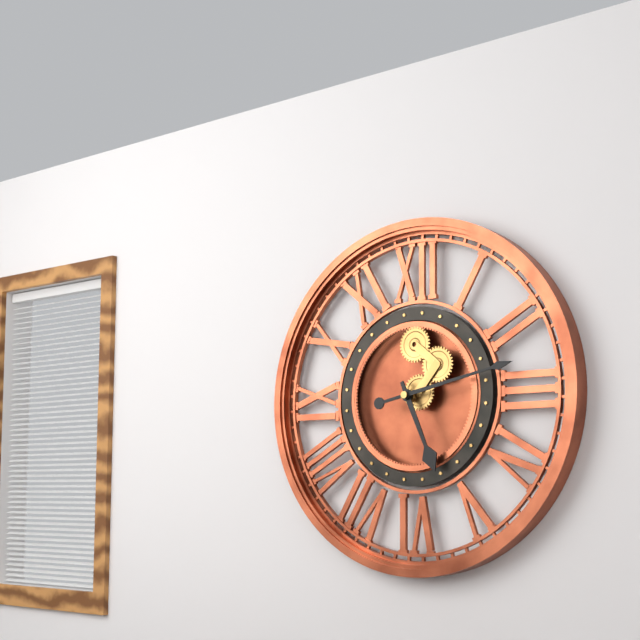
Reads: h=5 m=13
